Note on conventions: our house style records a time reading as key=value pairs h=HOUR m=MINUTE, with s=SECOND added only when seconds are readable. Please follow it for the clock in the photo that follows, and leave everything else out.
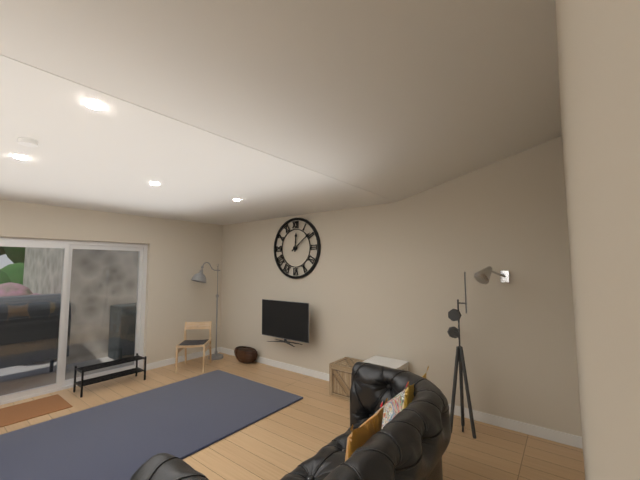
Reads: h=12 m=9
